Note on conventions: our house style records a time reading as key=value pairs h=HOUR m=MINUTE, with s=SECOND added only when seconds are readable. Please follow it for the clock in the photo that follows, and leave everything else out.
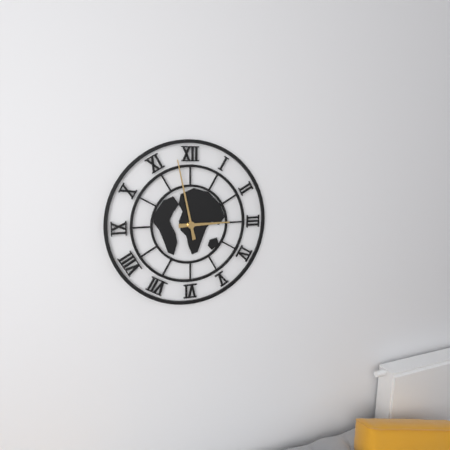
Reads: h=2 m=58
